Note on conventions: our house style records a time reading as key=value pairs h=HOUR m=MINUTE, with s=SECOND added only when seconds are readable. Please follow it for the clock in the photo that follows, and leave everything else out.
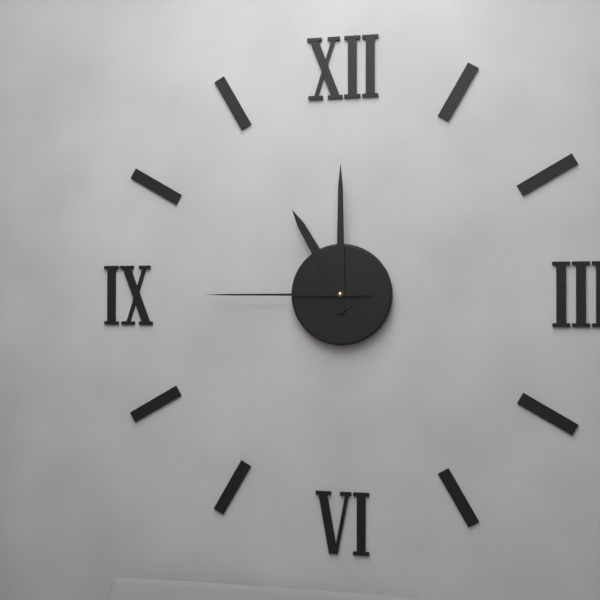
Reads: h=11 m=0 s=45
